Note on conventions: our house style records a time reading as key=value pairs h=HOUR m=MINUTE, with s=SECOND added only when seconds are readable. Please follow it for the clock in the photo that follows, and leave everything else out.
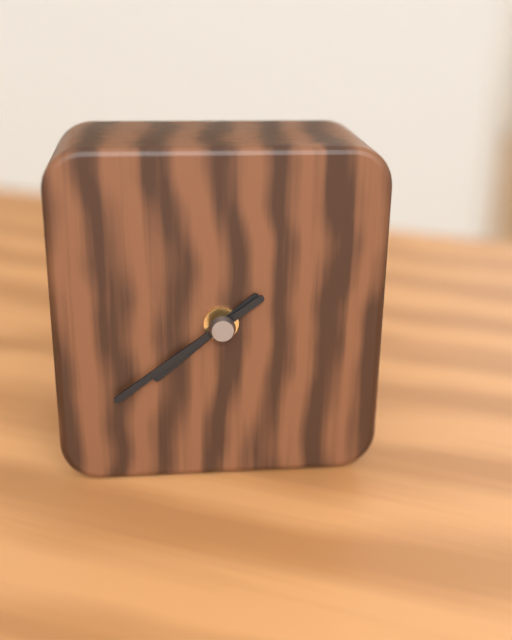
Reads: h=7 m=39
